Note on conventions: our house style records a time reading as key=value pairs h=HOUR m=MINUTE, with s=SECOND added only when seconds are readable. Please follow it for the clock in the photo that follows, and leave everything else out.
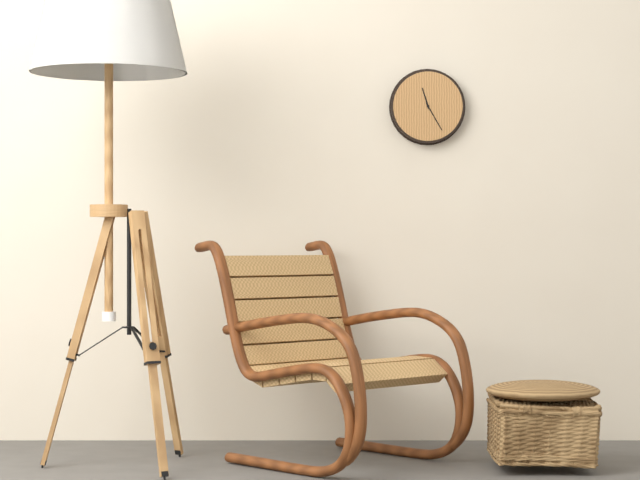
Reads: h=11 m=25
